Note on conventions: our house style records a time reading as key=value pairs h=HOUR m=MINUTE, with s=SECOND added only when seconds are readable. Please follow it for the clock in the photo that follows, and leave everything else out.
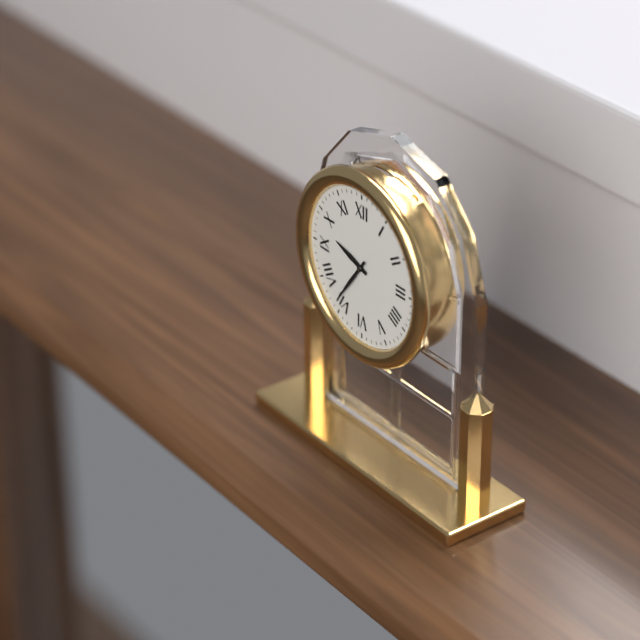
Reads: h=9 m=36
